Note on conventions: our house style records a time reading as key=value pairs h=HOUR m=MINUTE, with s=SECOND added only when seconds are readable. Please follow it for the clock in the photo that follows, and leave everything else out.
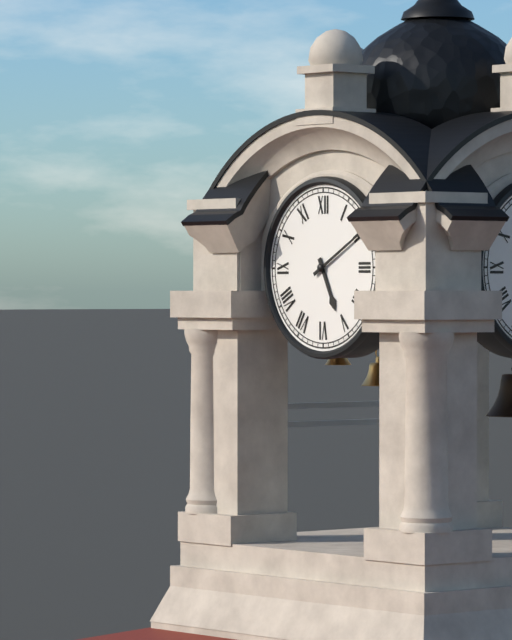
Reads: h=5 m=10
